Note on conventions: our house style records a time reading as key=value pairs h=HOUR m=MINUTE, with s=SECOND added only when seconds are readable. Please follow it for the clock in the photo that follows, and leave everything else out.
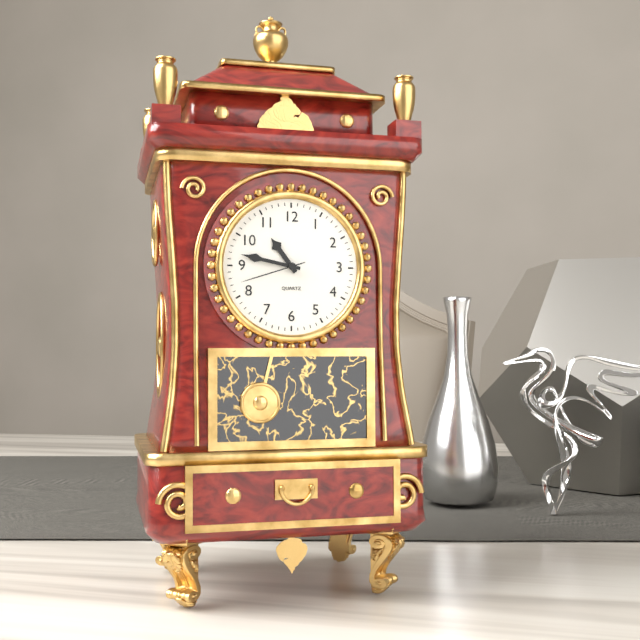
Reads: h=10 m=47 s=42
